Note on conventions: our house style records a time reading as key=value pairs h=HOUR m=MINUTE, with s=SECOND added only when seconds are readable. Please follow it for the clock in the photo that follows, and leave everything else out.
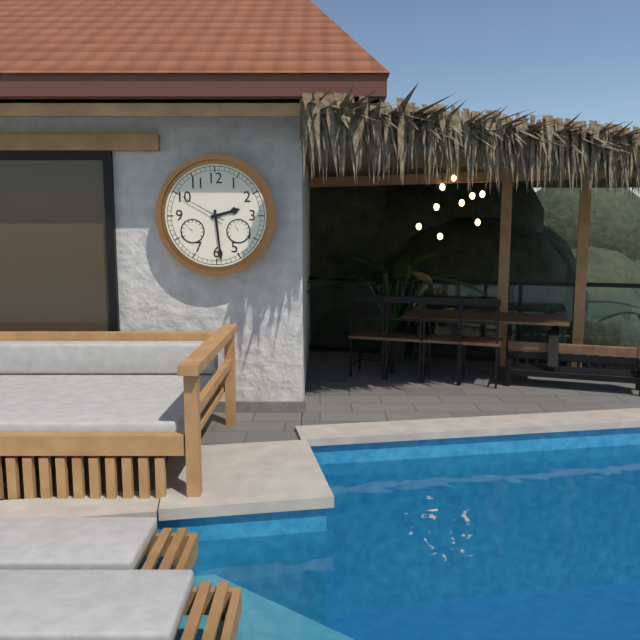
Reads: h=2 m=29 s=50
